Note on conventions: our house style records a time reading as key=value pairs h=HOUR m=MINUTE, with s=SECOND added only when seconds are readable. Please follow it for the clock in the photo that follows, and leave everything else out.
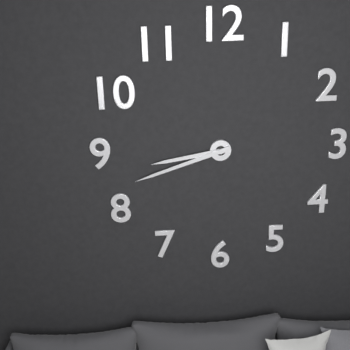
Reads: h=8 m=42
